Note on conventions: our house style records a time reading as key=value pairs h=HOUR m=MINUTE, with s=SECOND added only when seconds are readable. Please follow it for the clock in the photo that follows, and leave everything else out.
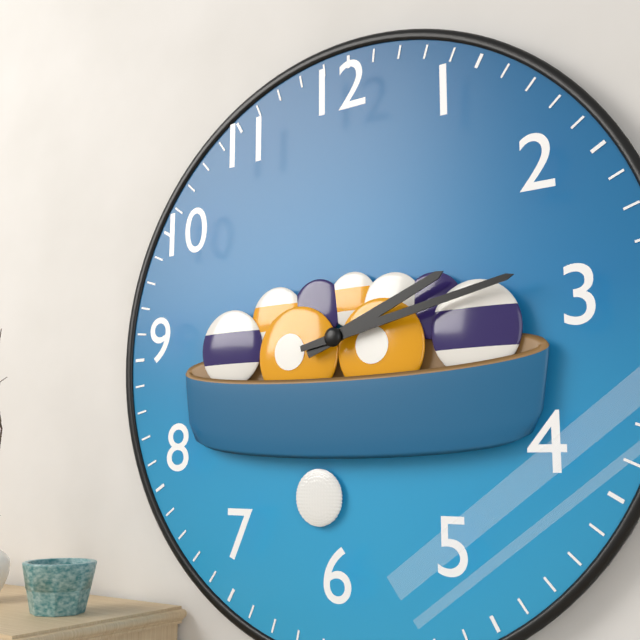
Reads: h=2 m=13
